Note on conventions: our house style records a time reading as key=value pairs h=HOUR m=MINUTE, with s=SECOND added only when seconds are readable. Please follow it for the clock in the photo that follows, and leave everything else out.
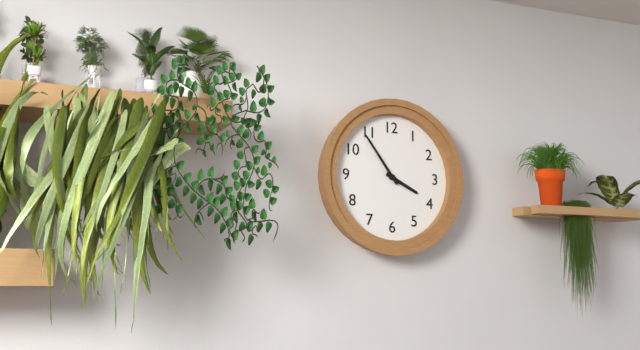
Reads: h=3 m=54
